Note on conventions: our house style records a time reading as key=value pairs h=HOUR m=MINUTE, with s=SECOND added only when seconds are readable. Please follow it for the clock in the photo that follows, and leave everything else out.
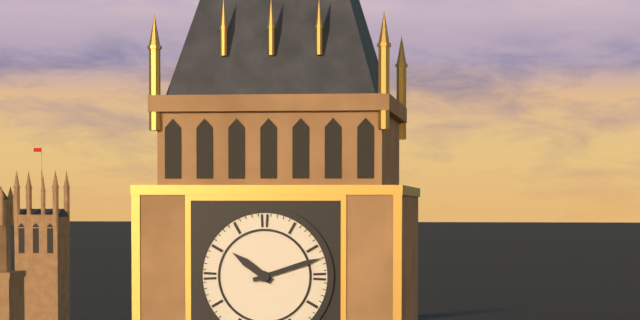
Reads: h=10 m=12
